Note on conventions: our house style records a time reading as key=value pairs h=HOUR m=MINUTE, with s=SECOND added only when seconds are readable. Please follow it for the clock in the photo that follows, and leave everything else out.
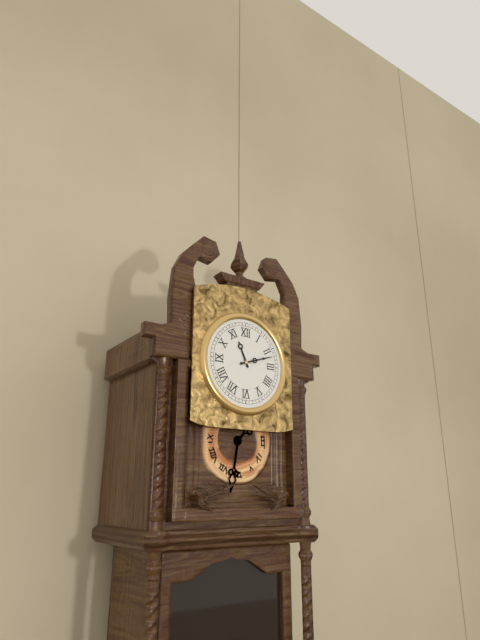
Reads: h=11 m=12
